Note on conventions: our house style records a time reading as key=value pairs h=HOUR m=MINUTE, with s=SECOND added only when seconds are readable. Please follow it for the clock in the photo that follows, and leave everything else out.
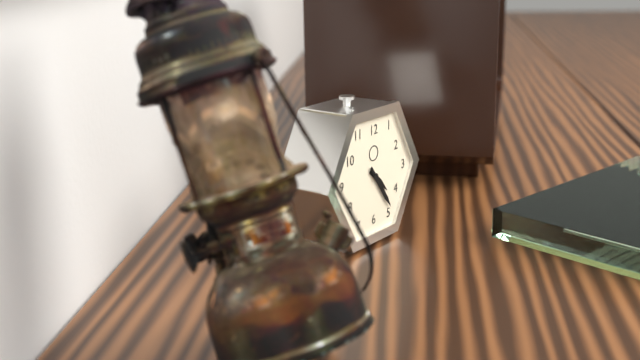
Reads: h=4 m=24
